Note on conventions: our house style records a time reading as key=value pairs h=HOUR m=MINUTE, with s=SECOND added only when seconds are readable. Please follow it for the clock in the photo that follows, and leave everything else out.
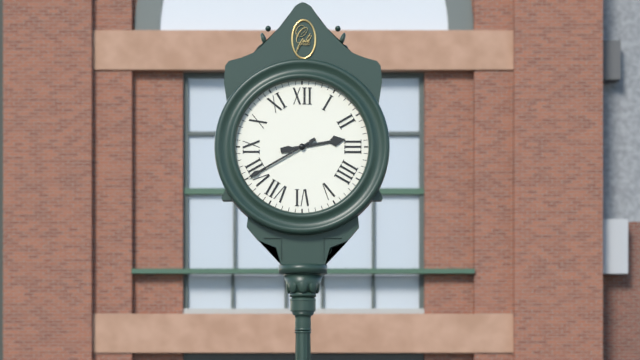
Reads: h=2 m=40
